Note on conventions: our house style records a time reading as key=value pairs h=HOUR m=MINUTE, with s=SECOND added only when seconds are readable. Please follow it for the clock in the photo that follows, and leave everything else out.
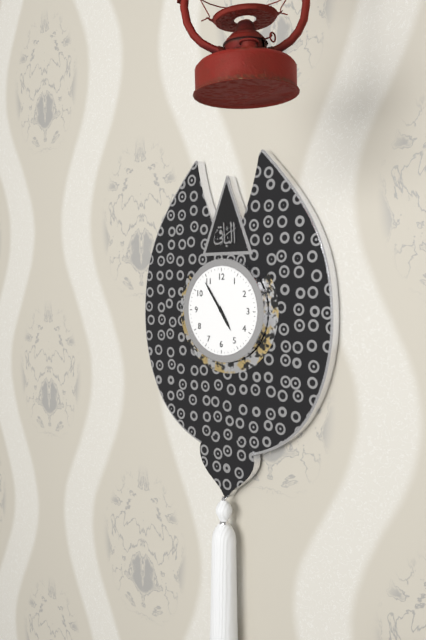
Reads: h=4 m=54
